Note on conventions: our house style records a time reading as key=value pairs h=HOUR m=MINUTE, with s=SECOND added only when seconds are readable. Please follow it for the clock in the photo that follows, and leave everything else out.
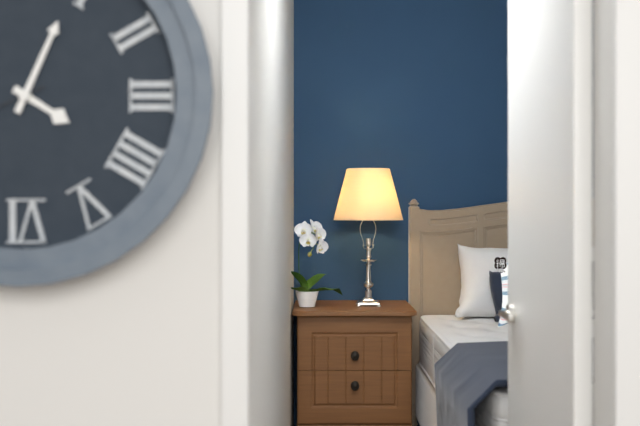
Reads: h=4 m=4
